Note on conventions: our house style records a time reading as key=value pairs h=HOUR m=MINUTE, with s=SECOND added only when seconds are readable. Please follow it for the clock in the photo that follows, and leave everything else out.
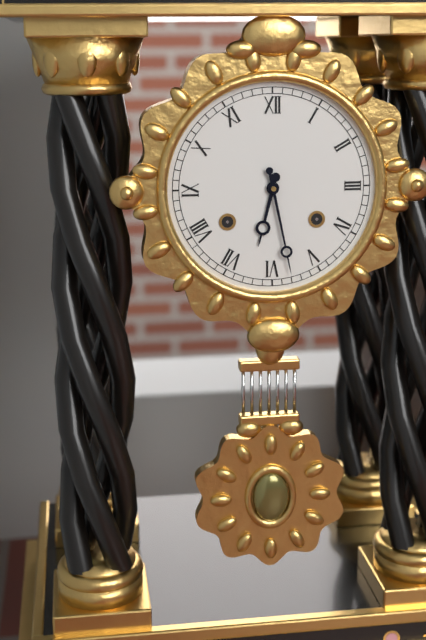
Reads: h=6 m=28
